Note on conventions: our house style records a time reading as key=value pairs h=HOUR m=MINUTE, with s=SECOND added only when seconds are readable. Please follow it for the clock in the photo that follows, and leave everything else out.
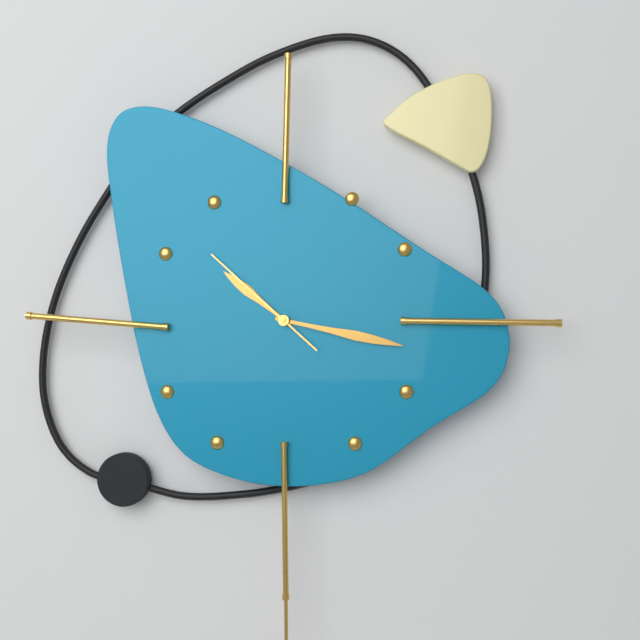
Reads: h=10 m=17 s=52
